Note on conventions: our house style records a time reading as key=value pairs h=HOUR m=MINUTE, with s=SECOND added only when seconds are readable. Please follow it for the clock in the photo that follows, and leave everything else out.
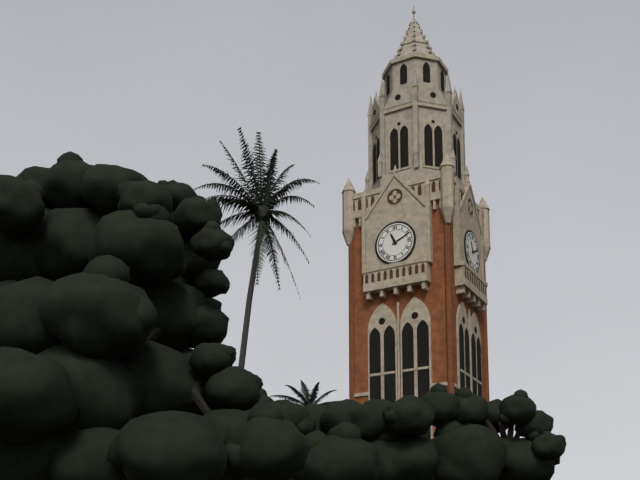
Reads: h=11 m=11
